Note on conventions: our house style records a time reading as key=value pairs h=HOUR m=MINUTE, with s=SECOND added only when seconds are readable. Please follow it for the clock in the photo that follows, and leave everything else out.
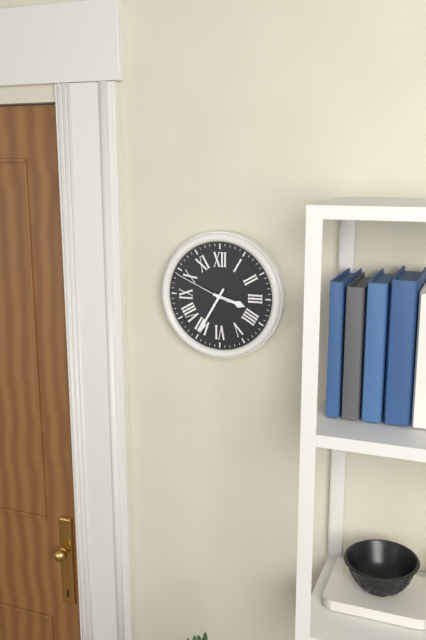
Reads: h=3 m=35 s=49
